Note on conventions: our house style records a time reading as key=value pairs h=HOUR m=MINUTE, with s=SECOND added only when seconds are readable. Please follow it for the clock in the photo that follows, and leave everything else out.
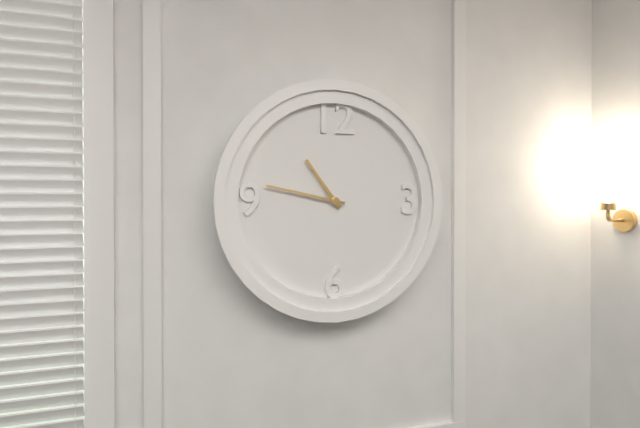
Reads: h=10 m=47
